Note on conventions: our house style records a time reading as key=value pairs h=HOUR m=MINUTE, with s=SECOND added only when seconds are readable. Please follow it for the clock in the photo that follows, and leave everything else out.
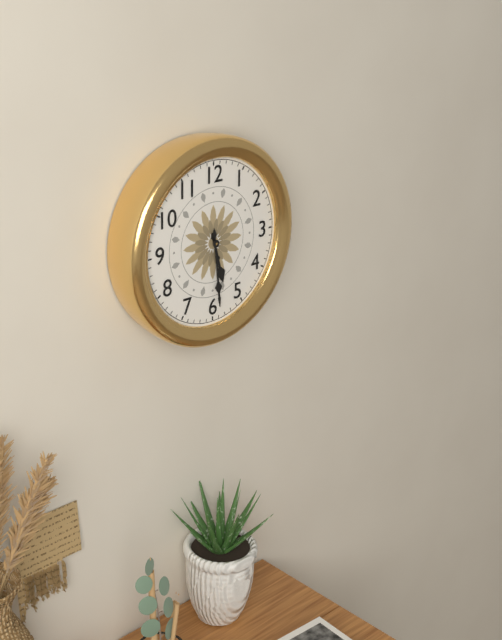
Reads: h=5 m=29
